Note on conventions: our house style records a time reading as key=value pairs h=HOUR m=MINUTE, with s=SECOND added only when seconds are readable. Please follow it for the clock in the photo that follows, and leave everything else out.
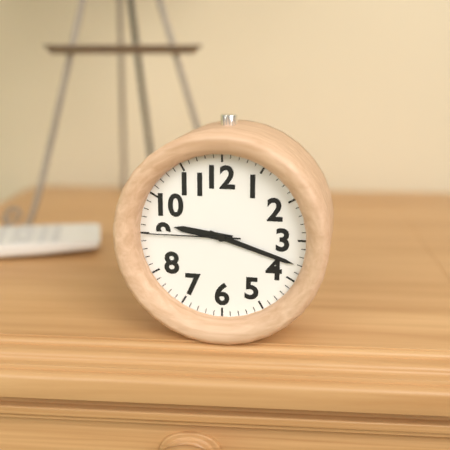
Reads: h=9 m=18 s=45
